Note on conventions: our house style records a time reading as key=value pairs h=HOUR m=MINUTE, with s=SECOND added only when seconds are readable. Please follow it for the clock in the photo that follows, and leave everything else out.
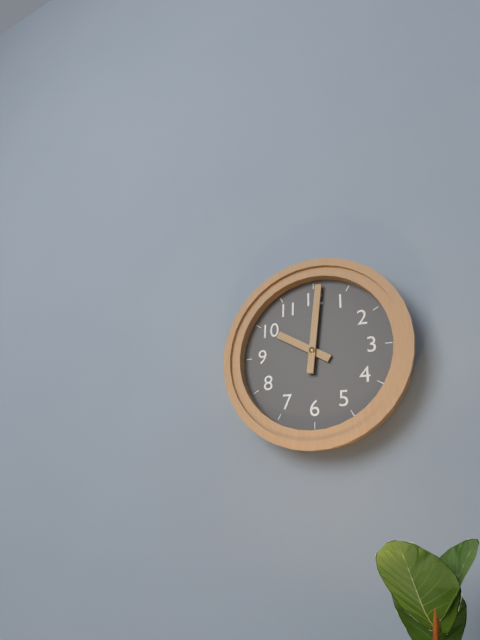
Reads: h=10 m=1
